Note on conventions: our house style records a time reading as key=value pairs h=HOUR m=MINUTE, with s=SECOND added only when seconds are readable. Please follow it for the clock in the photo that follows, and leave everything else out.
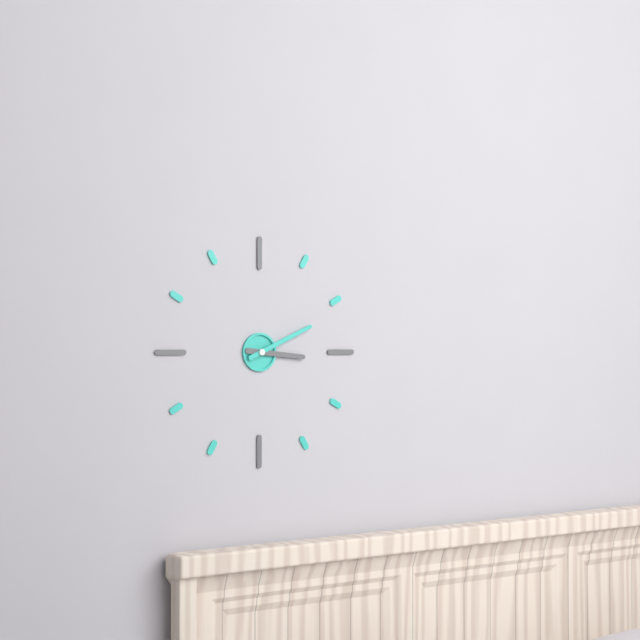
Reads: h=3 m=11
